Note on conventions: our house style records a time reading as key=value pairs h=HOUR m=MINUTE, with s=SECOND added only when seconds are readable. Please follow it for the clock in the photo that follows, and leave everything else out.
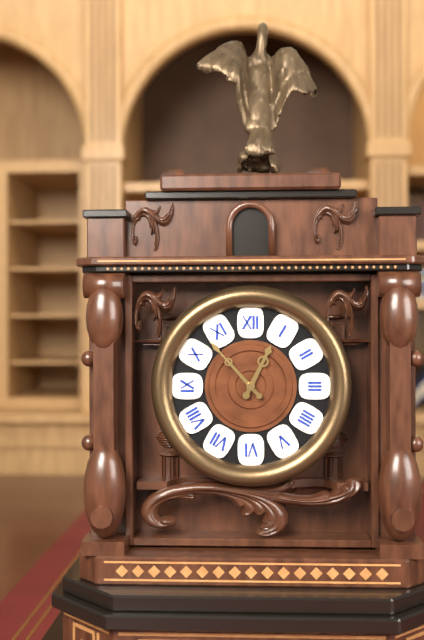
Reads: h=12 m=53
